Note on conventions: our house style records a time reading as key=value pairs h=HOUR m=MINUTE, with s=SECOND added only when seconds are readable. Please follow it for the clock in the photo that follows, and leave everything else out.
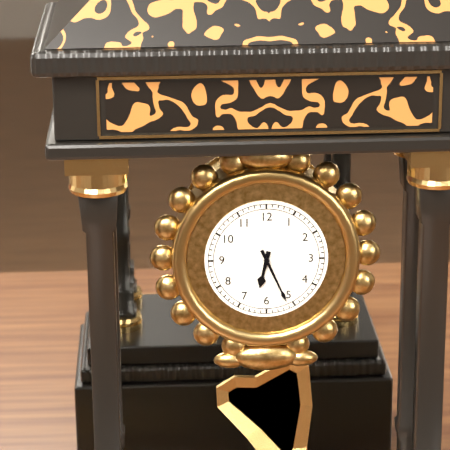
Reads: h=6 m=26
